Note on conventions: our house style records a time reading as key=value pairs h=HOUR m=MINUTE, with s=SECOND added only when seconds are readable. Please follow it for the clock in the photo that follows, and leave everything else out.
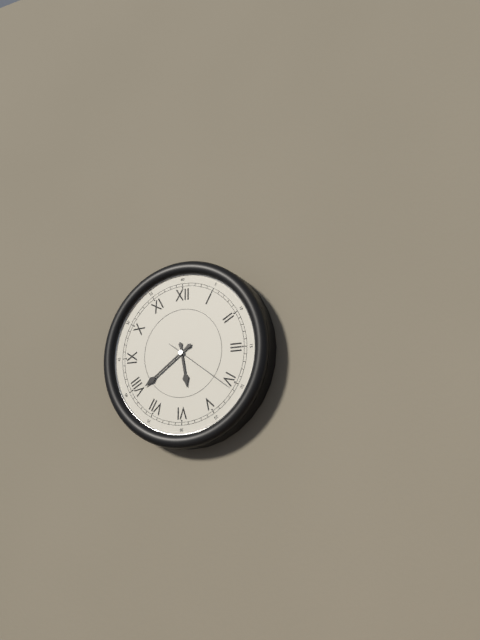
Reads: h=5 m=39 s=21
